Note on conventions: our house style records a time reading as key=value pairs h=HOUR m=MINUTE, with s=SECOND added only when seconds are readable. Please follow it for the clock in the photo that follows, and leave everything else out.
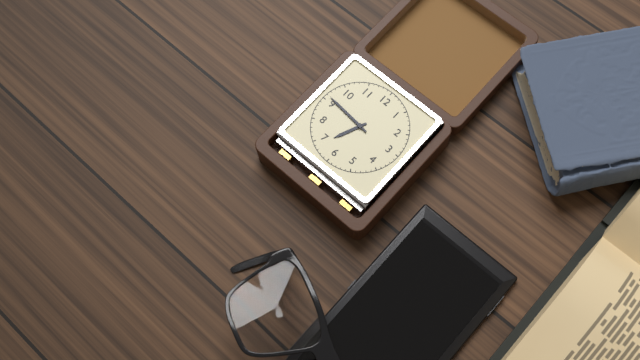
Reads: h=6 m=46
